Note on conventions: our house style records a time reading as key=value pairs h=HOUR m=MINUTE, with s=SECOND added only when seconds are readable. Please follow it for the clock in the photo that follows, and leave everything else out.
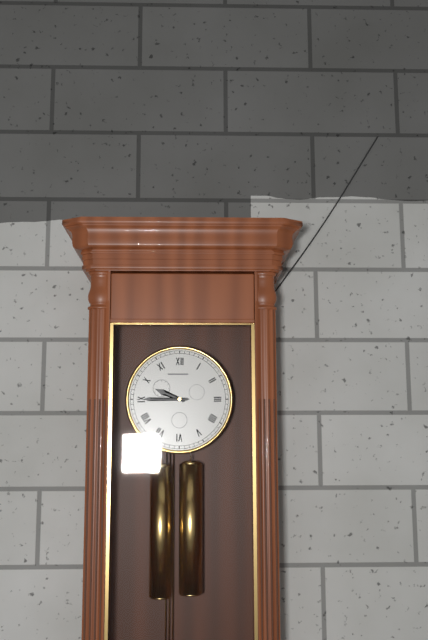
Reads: h=9 m=45
